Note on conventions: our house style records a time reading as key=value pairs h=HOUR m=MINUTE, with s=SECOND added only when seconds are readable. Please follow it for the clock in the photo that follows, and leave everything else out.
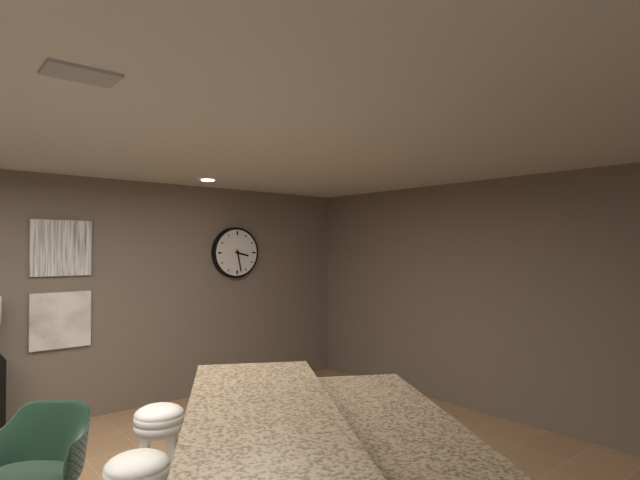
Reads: h=3 m=28
